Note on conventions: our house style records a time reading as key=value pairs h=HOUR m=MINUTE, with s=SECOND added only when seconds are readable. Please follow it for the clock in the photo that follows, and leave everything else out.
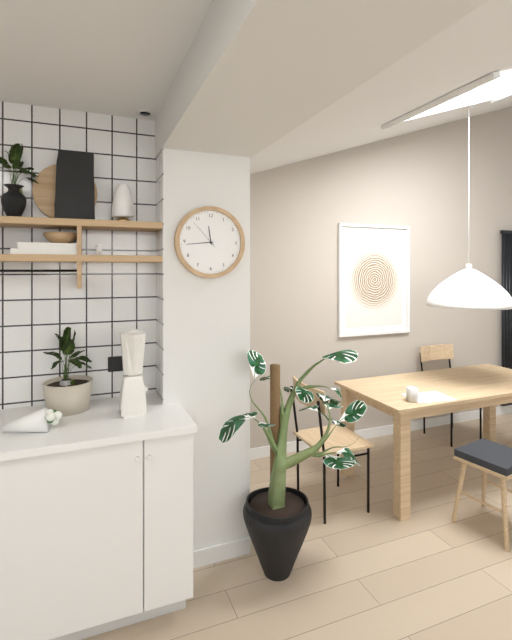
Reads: h=11 m=44
